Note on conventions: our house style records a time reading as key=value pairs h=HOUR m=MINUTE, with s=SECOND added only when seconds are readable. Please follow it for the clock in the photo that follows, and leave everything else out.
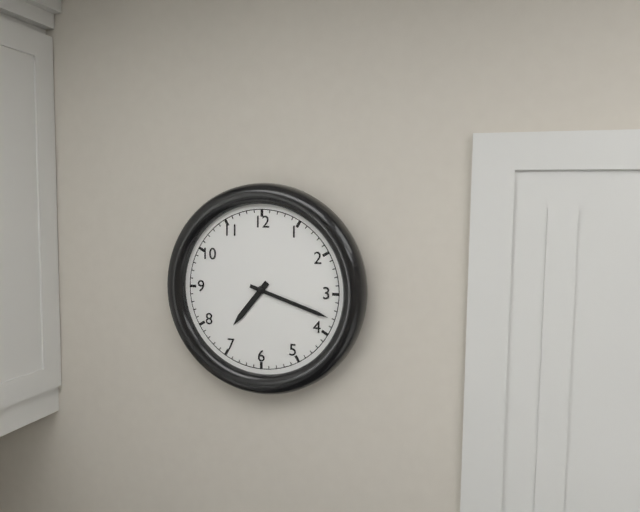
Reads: h=7 m=18
